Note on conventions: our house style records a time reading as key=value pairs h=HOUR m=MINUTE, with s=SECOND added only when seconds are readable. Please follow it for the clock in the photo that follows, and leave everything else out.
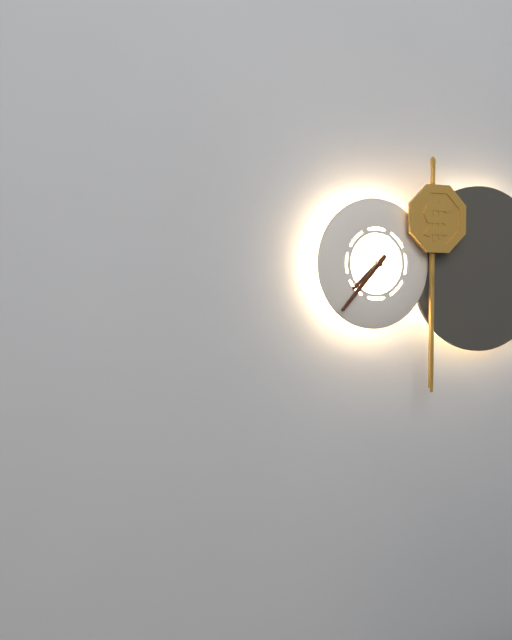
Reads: h=7 m=37
